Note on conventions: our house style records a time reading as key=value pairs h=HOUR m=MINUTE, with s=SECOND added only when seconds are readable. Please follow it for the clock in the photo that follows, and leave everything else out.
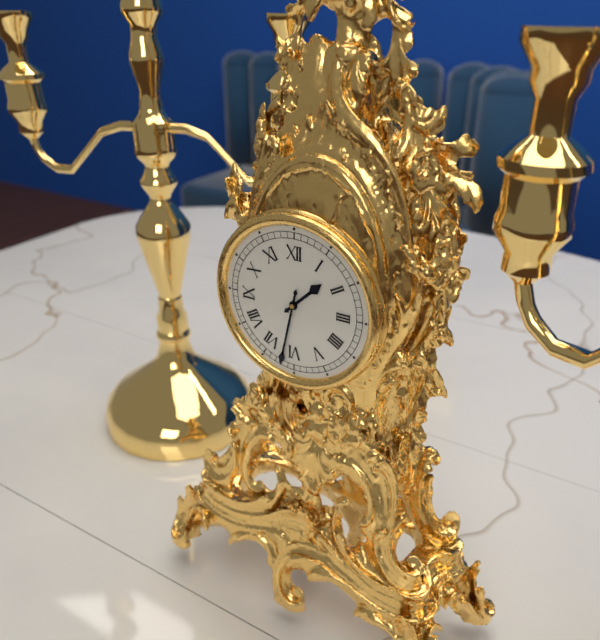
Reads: h=1 m=32
